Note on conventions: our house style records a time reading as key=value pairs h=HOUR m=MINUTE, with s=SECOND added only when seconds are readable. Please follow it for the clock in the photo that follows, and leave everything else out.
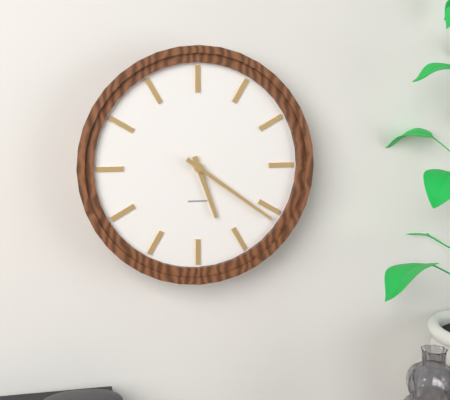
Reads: h=5 m=21
